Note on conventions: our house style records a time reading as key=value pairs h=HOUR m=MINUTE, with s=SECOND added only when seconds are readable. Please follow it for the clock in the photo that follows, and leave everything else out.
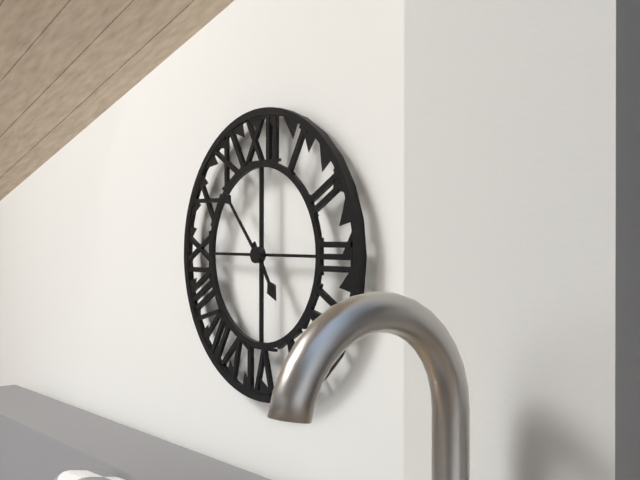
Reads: h=4 m=53
